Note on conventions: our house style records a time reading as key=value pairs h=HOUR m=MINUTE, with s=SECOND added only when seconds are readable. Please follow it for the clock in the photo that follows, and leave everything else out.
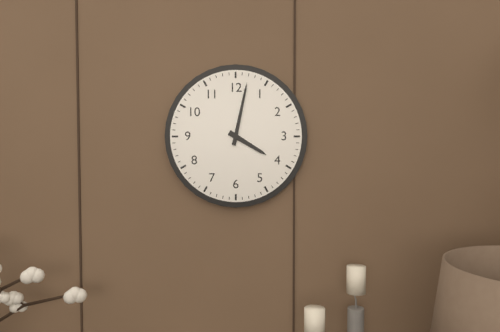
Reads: h=4 m=2
